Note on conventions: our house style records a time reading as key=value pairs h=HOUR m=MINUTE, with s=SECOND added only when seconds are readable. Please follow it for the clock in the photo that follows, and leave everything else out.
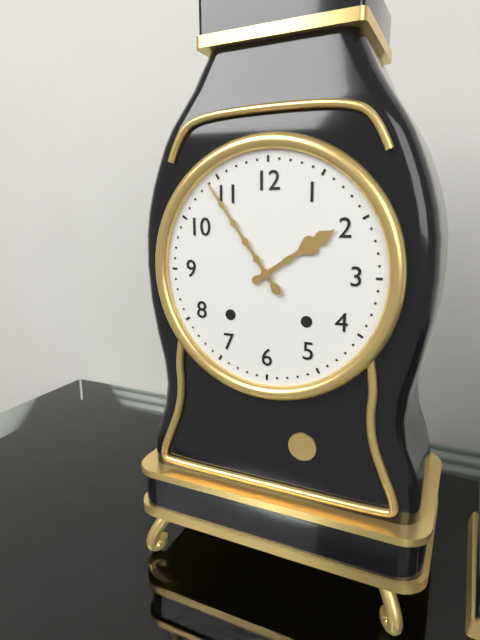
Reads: h=1 m=54
